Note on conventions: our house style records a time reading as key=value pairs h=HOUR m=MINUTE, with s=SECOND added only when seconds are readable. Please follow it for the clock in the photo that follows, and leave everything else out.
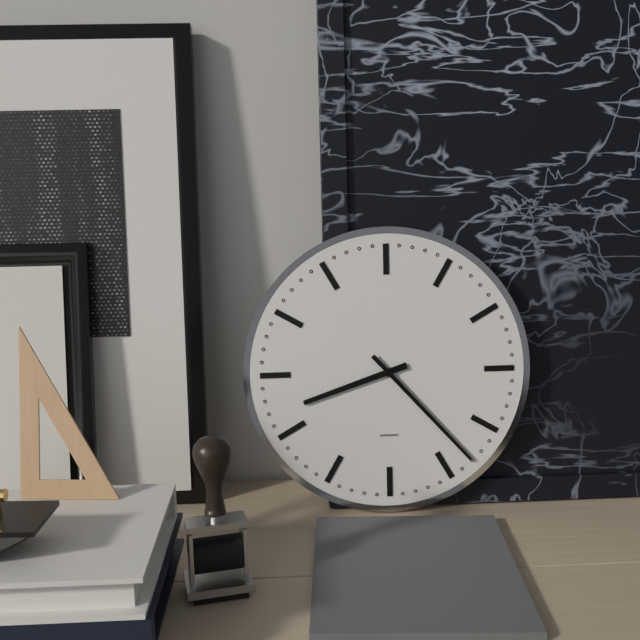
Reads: h=8 m=23
